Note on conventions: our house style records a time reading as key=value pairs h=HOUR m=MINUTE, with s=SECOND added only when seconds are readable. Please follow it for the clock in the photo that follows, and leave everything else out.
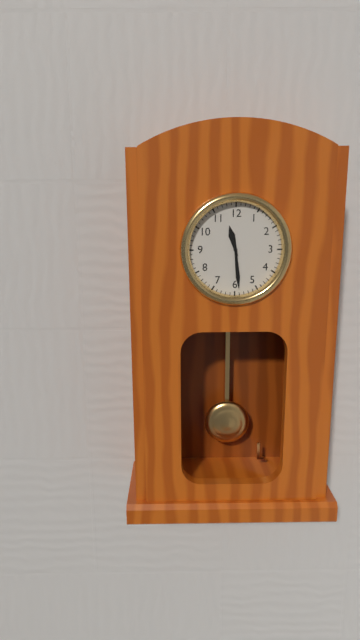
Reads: h=11 m=29
